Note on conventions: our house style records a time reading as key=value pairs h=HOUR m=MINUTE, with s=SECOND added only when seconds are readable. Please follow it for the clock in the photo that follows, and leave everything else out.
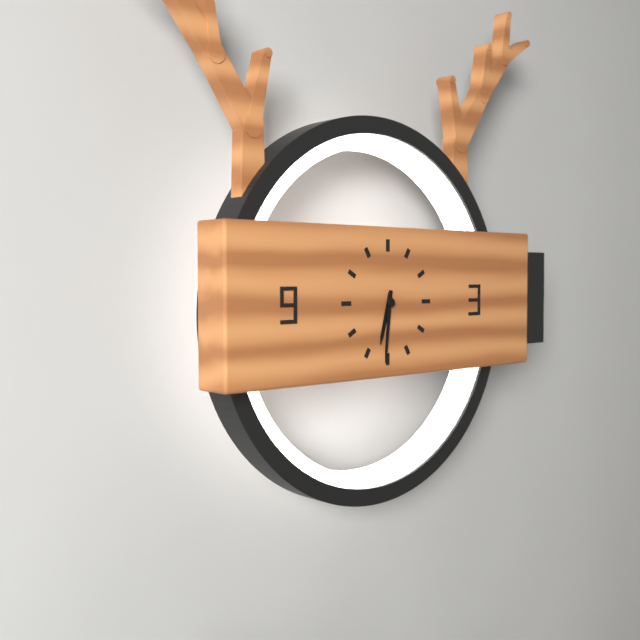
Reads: h=6 m=31
